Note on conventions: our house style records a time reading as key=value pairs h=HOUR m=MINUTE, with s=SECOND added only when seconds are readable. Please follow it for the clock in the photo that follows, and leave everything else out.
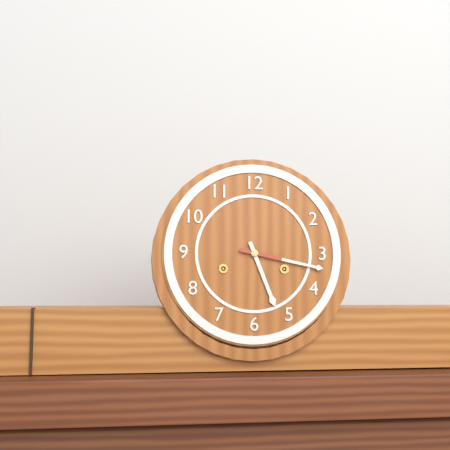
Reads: h=5 m=17
